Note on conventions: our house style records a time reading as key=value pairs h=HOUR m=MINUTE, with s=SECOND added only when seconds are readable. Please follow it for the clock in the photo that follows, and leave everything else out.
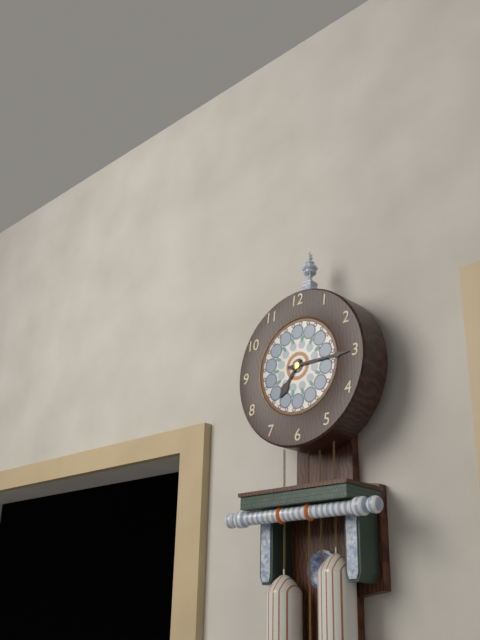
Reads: h=7 m=15
